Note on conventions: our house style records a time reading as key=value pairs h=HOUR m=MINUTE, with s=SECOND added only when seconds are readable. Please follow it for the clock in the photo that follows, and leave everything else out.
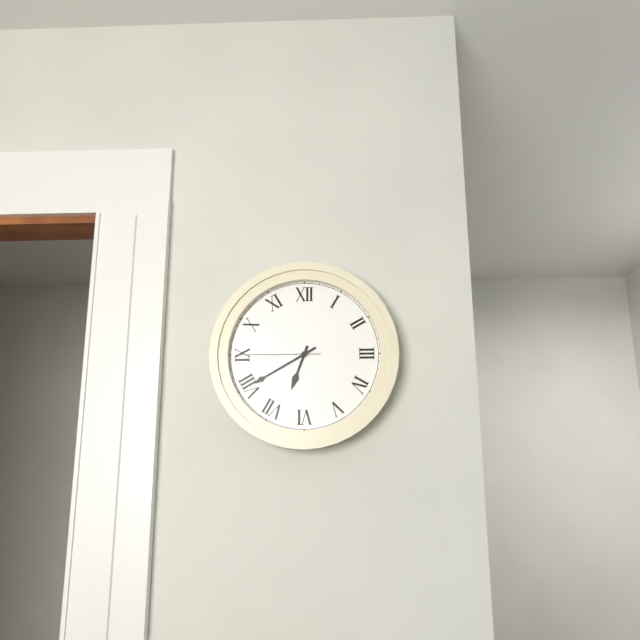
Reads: h=6 m=40 s=45
